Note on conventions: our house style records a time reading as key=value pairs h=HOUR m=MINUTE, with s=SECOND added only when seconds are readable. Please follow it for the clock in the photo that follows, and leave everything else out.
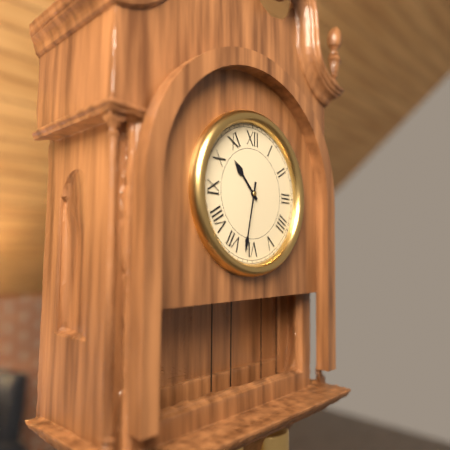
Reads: h=10 m=32
